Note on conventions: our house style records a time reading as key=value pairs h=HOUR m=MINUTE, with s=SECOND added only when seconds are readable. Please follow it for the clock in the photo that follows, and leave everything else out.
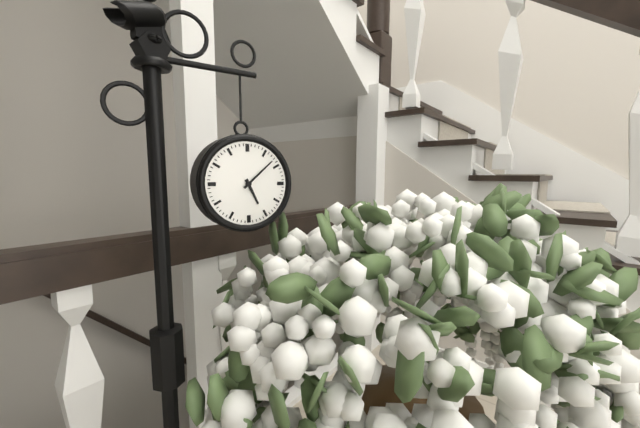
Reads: h=5 m=8
